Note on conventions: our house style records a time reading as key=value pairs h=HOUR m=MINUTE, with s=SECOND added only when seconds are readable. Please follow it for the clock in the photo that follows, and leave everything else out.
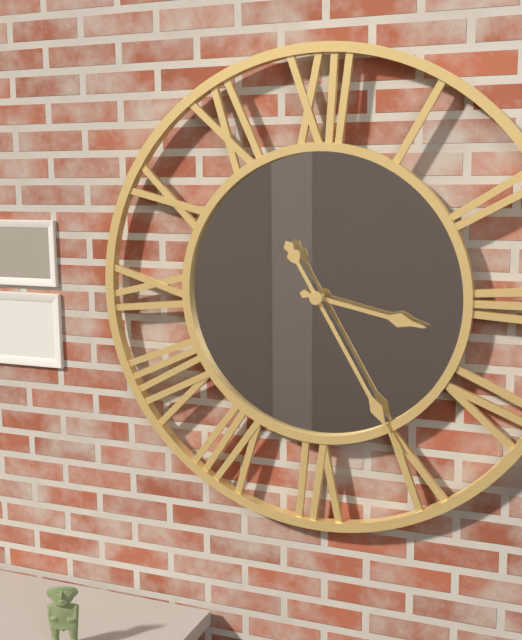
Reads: h=3 m=25
